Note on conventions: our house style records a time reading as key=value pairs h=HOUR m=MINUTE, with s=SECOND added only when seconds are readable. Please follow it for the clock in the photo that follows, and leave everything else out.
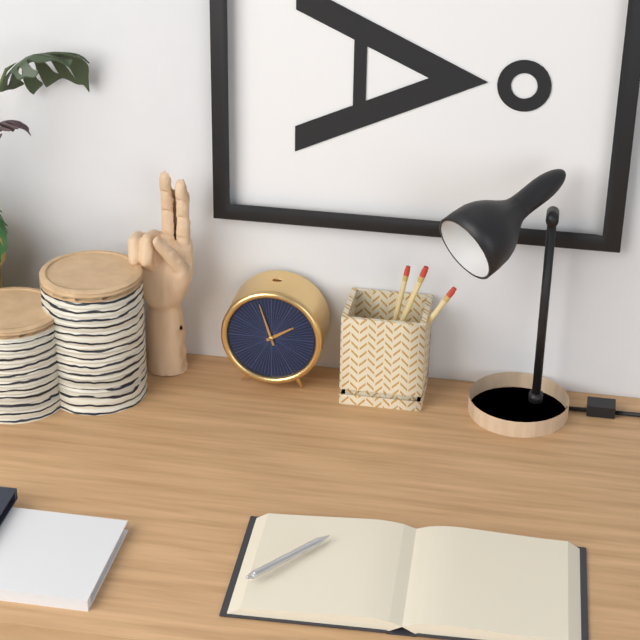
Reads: h=1 m=57
